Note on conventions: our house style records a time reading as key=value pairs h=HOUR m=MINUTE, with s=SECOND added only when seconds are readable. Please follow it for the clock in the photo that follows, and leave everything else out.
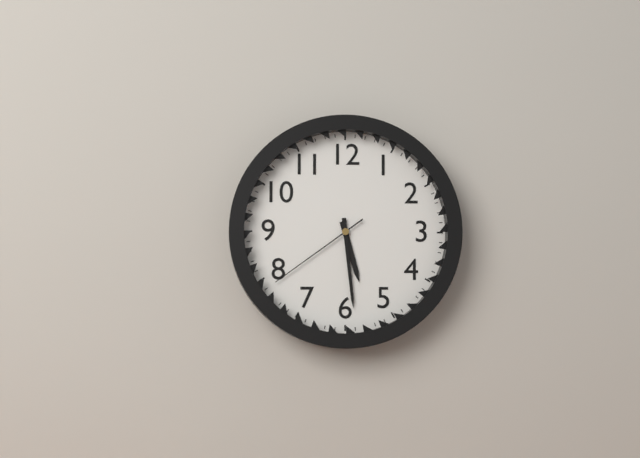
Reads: h=5 m=29 s=39
